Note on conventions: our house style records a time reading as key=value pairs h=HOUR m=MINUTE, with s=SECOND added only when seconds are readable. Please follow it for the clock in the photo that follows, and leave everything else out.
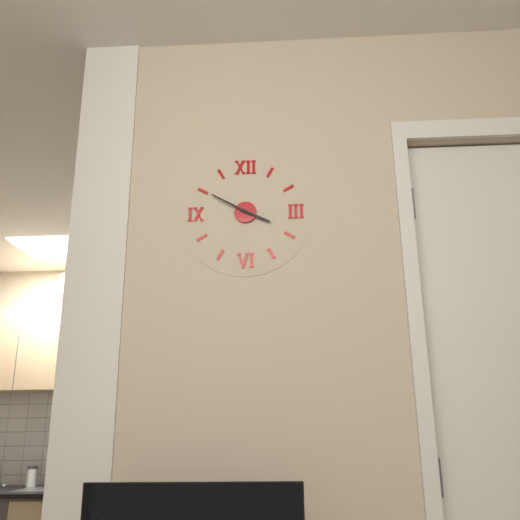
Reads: h=3 m=50
